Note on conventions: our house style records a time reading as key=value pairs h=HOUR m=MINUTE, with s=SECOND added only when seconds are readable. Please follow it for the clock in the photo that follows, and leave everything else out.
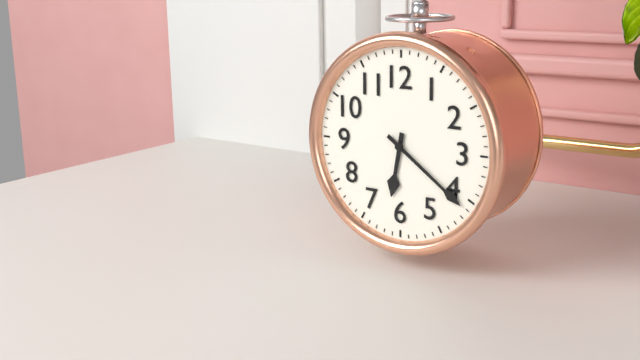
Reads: h=6 m=21
